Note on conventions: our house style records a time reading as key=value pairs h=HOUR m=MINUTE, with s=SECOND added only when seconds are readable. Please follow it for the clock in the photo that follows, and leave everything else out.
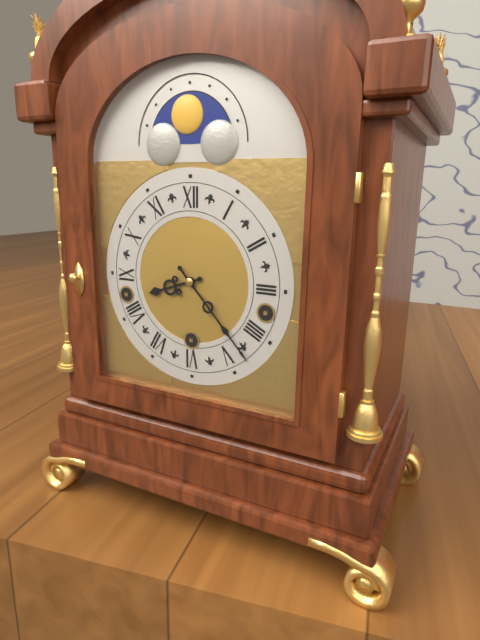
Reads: h=8 m=23
